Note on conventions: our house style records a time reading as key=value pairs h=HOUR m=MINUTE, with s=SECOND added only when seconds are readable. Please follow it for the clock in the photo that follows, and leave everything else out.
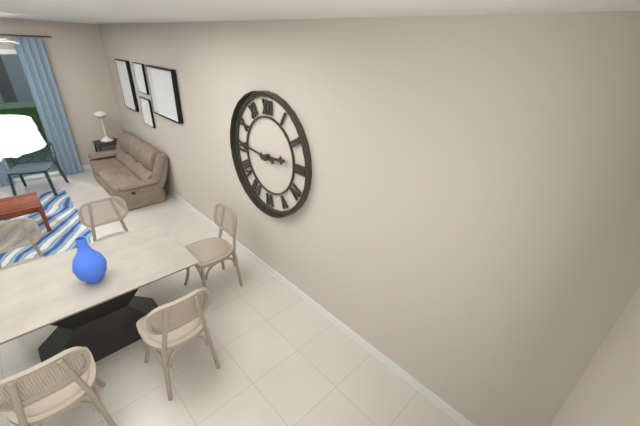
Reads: h=2 m=46
